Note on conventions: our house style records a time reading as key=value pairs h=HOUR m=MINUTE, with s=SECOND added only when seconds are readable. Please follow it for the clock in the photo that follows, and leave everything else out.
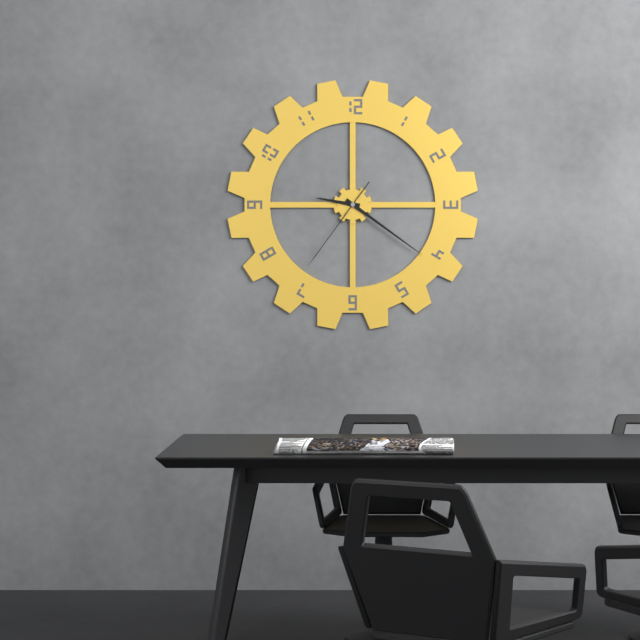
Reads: h=9 m=21 s=36
